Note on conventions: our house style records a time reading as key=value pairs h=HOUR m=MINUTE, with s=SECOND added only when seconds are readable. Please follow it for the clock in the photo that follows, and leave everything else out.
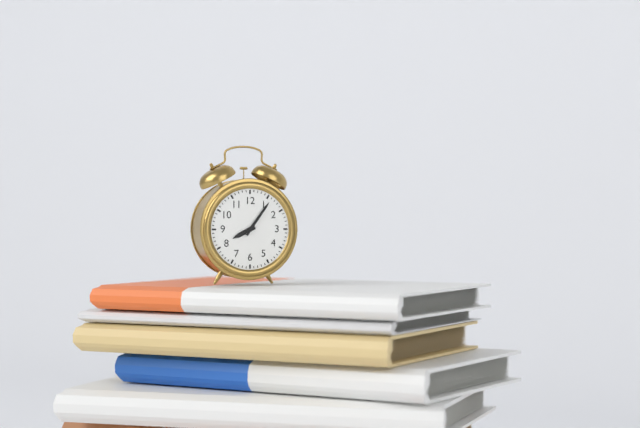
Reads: h=8 m=6
